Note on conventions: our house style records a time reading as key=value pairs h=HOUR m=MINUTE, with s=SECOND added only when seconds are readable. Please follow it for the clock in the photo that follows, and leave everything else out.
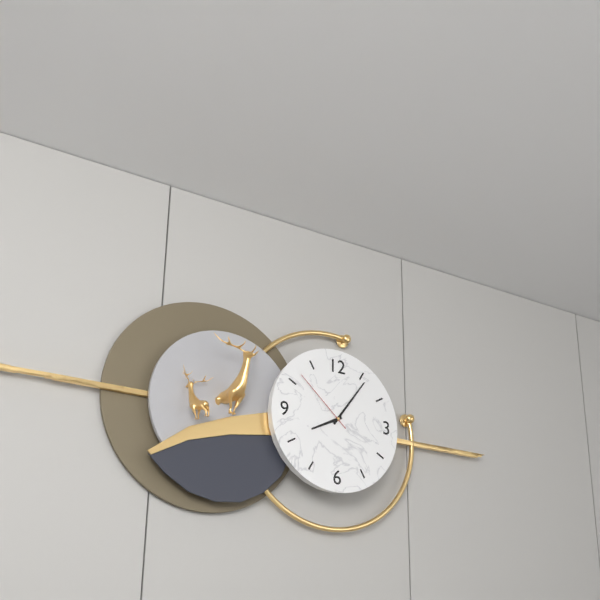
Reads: h=8 m=6 s=52
